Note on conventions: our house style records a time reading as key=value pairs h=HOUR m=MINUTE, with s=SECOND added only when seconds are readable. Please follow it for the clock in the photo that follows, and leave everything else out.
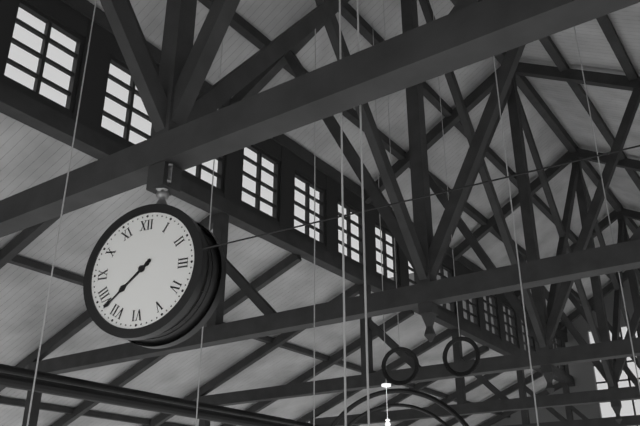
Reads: h=7 m=38
